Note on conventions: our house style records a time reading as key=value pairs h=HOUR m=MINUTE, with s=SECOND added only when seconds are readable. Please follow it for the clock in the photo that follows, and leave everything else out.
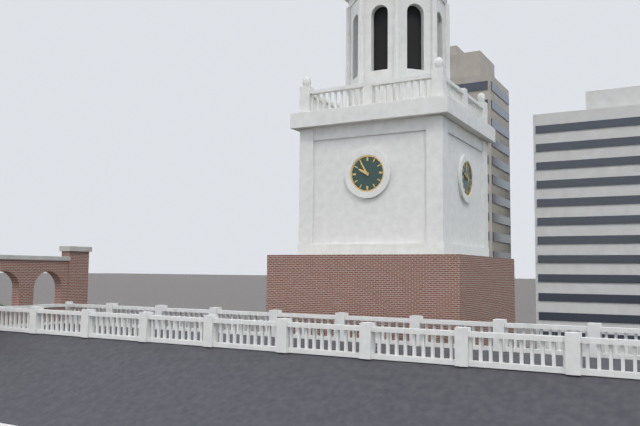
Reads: h=9 m=55
